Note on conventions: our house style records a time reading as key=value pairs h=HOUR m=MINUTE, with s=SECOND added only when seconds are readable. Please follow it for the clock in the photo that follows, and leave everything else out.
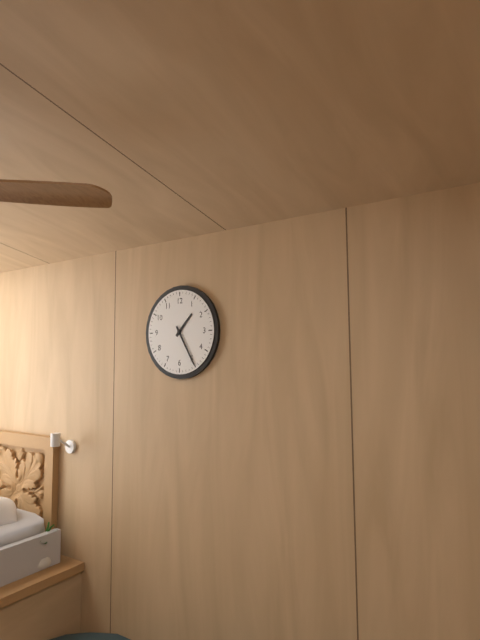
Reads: h=1 m=25
